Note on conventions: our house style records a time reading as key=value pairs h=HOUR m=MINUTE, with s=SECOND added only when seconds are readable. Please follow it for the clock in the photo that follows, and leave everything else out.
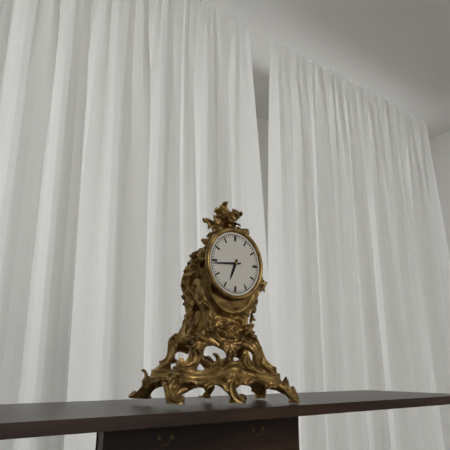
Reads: h=6 m=44
